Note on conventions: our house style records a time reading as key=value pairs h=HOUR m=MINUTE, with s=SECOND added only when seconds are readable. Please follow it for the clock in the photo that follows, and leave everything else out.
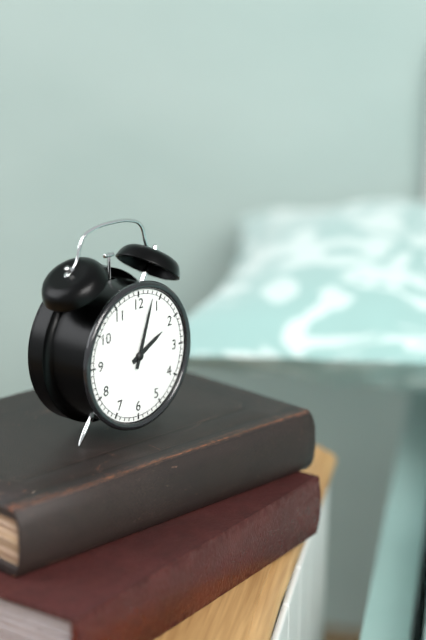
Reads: h=2 m=3
